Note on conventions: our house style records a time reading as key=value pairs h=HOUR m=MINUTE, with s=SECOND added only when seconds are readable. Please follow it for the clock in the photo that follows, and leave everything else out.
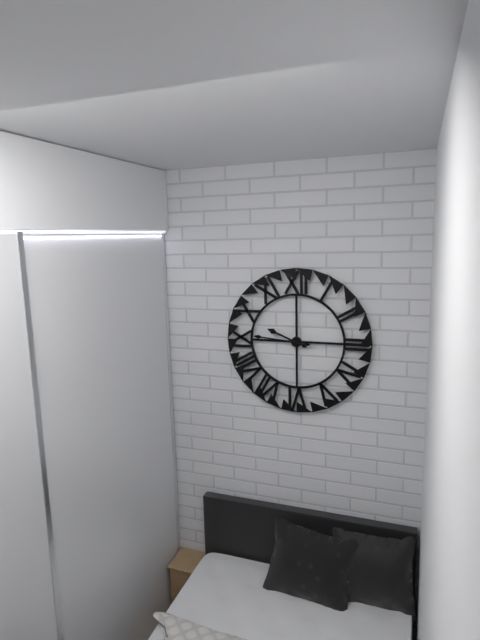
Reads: h=9 m=46
